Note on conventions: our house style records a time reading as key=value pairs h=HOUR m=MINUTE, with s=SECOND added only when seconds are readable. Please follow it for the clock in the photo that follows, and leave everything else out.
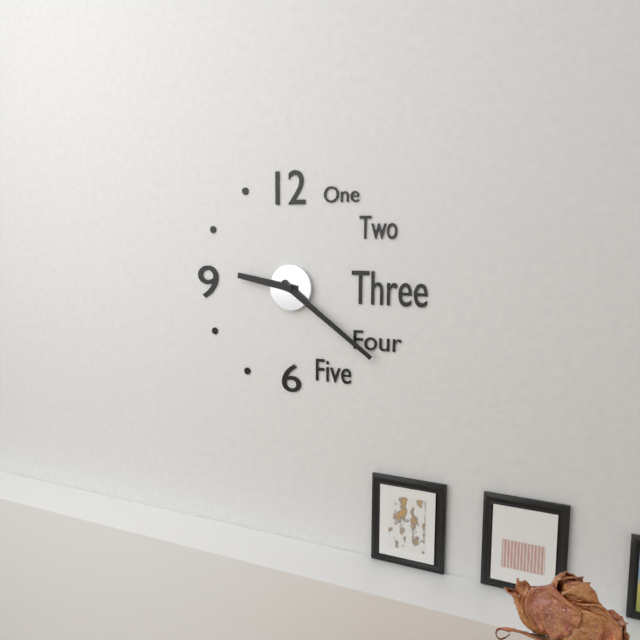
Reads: h=9 m=21
